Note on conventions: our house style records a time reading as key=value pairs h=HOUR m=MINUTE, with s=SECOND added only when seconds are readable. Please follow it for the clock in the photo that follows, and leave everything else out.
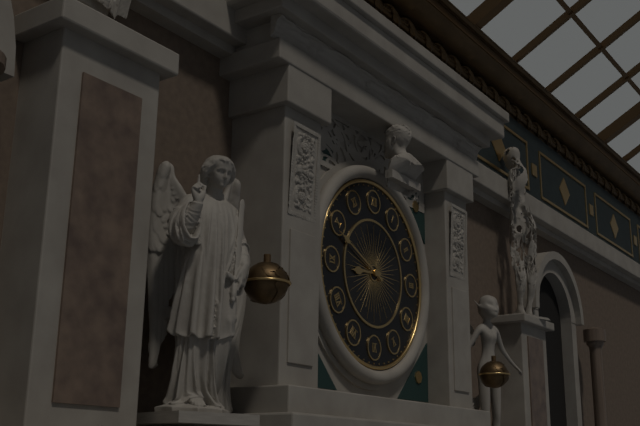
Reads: h=8 m=49
